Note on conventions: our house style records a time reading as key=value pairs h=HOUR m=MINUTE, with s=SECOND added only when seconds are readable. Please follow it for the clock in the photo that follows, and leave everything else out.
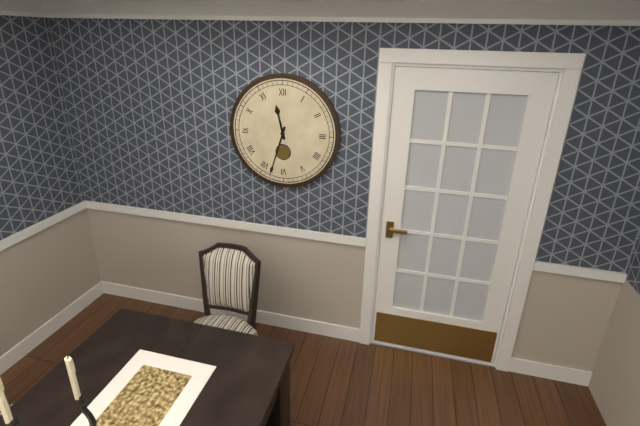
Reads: h=11 m=33
